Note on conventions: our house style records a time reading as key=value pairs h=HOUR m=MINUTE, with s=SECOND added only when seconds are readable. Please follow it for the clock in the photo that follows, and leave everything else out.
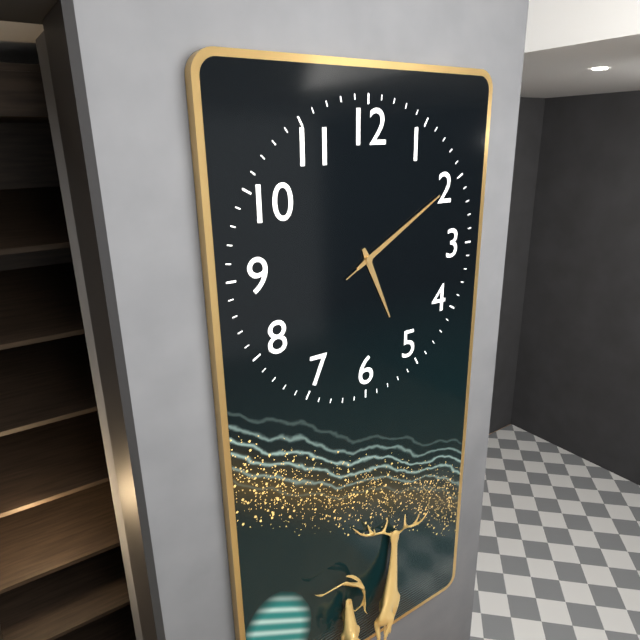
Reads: h=5 m=10 s=10
